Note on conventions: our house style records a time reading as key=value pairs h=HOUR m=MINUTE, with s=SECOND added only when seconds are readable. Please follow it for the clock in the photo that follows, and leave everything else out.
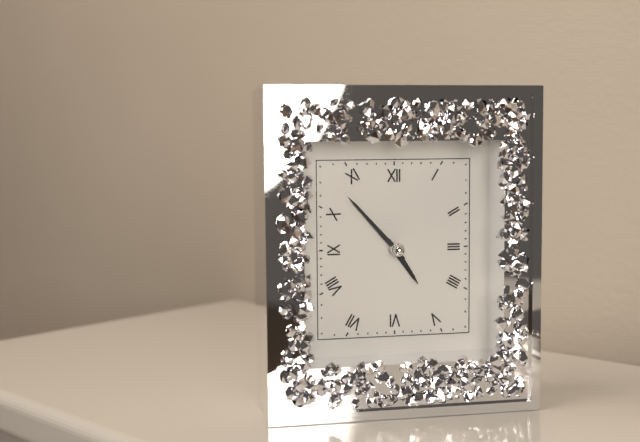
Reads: h=4 m=53
